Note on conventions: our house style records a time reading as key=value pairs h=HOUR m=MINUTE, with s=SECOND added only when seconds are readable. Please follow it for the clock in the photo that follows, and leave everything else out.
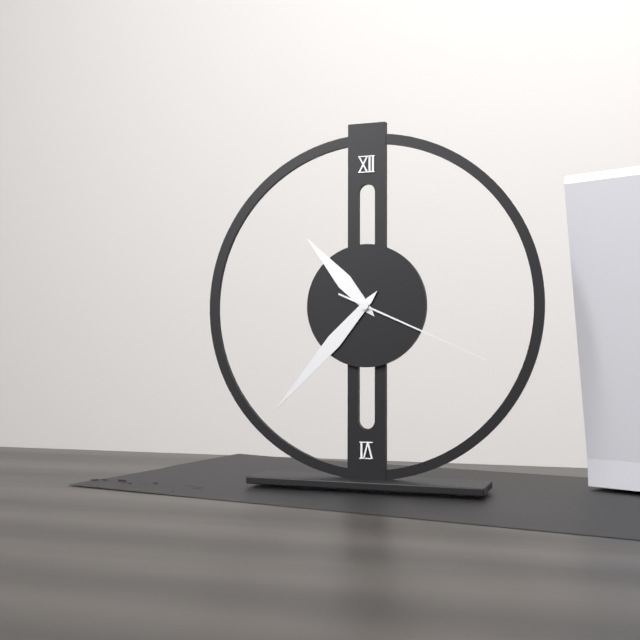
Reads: h=10 m=37 s=19
